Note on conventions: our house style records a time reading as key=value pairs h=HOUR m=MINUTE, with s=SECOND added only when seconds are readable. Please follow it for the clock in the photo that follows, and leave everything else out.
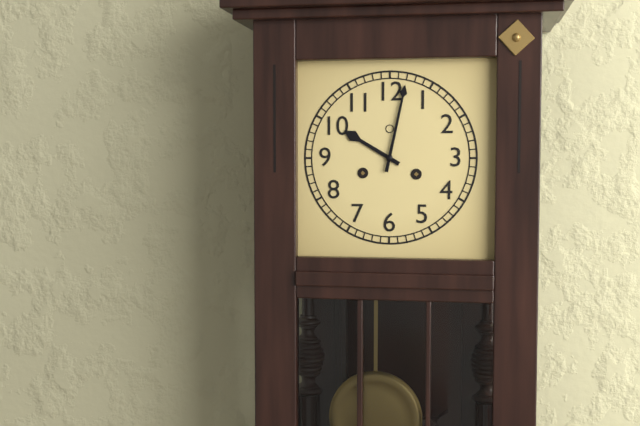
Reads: h=10 m=2
